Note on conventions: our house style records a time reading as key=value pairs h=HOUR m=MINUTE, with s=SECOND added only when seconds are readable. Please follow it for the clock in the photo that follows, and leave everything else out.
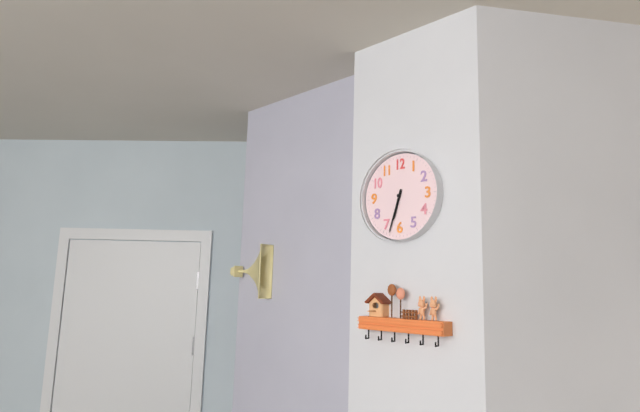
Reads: h=6 m=33
